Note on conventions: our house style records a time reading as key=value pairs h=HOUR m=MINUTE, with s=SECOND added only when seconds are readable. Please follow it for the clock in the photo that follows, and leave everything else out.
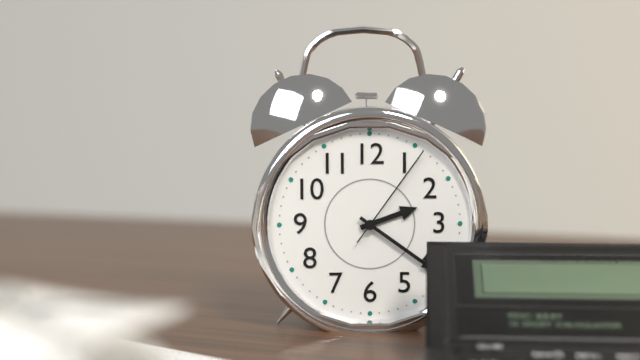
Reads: h=2 m=21 s=6
